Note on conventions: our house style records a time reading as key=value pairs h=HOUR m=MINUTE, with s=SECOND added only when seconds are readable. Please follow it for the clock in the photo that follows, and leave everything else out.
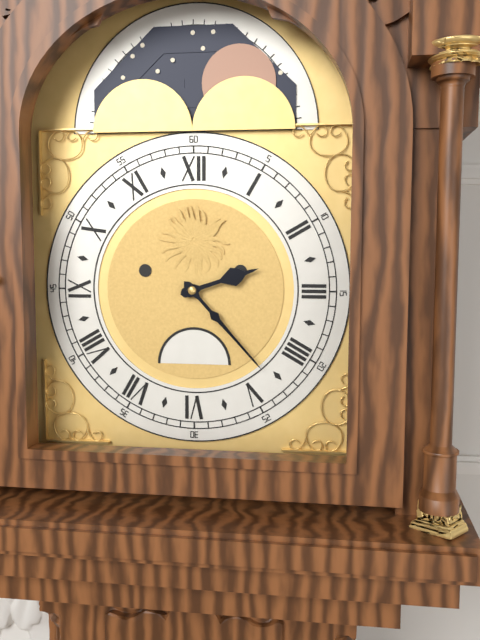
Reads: h=2 m=23
